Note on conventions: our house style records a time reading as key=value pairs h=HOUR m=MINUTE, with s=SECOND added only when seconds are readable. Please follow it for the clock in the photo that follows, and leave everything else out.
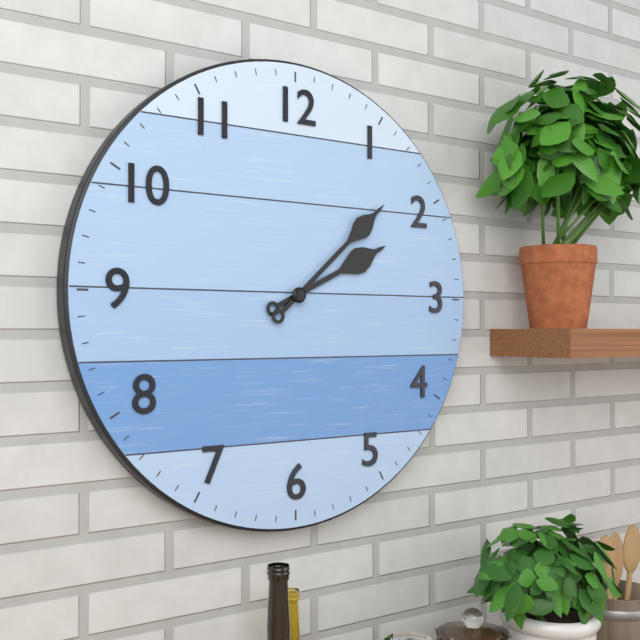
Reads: h=2 m=8
